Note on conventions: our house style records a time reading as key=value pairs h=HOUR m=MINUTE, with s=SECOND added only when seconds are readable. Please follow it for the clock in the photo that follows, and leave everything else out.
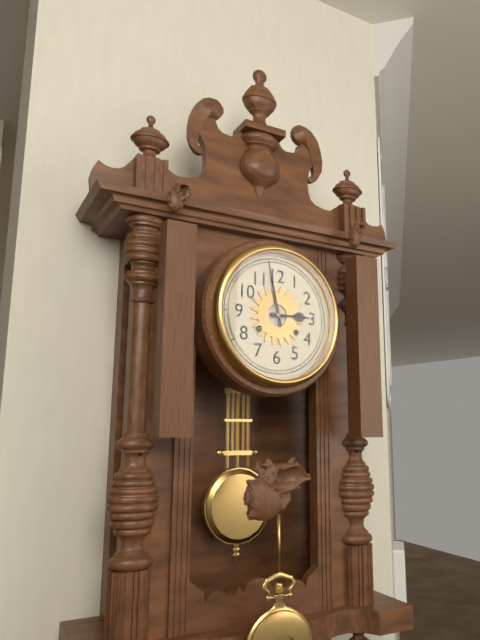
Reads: h=2 m=58
